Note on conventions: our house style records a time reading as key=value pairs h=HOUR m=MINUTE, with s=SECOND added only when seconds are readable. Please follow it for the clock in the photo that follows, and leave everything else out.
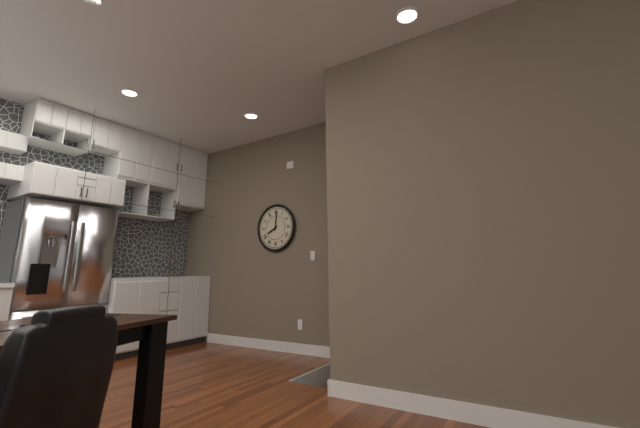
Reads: h=8 m=1
